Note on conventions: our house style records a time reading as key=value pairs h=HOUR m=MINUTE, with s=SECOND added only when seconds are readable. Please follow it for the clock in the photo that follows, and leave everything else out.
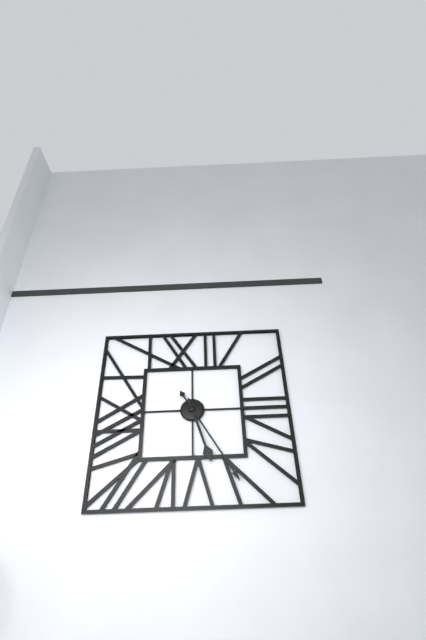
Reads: h=5 m=25
